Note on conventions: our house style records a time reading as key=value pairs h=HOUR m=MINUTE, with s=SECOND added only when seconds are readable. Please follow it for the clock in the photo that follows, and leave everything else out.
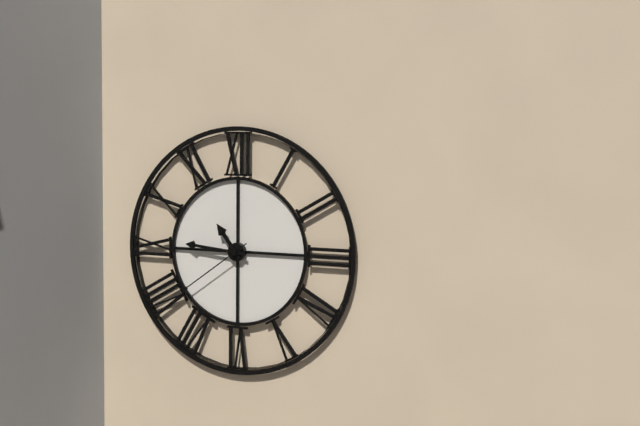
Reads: h=10 m=46 s=39
